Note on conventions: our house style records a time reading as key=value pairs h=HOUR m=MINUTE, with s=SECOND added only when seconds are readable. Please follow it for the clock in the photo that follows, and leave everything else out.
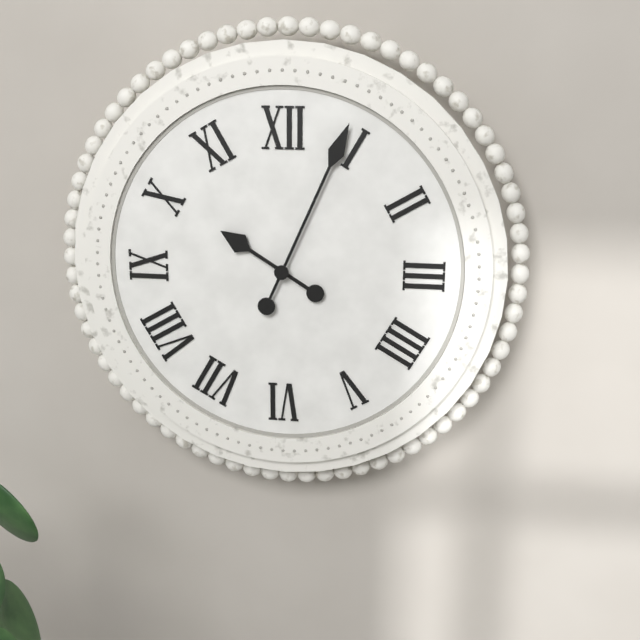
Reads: h=10 m=4
